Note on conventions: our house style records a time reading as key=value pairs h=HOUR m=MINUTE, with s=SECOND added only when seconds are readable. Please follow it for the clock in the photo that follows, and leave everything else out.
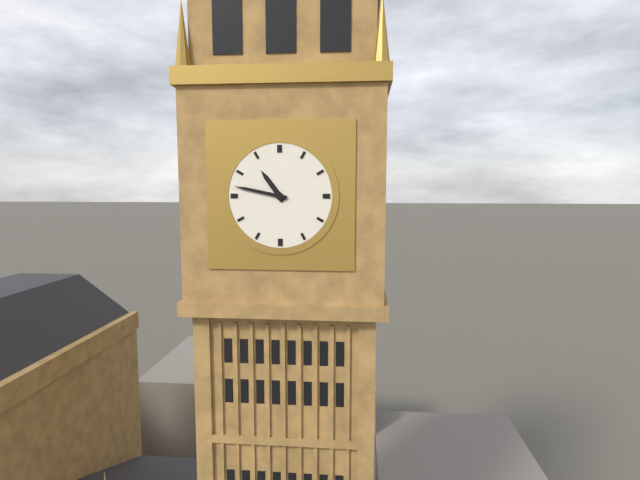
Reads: h=10 m=47
